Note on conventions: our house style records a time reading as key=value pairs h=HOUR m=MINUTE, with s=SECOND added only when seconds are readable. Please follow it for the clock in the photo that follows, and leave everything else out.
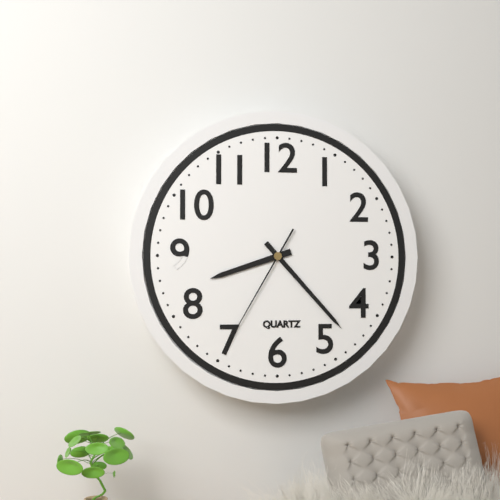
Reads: h=8 m=23 s=35
